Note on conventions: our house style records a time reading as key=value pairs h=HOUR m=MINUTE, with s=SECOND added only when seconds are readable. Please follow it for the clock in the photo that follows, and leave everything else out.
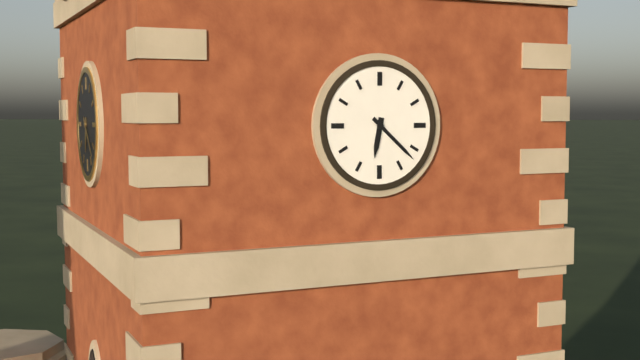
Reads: h=6 m=22
